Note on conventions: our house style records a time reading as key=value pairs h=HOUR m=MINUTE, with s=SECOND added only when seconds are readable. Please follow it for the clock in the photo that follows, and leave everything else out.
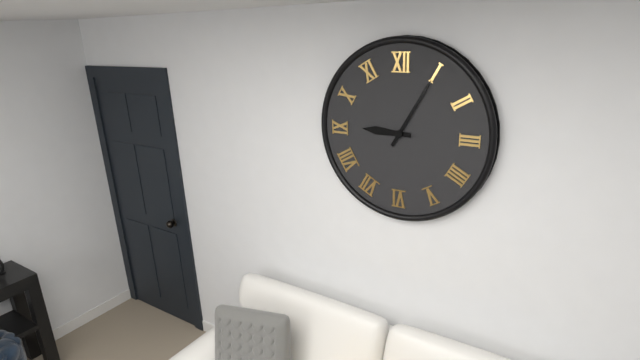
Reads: h=9 m=5
